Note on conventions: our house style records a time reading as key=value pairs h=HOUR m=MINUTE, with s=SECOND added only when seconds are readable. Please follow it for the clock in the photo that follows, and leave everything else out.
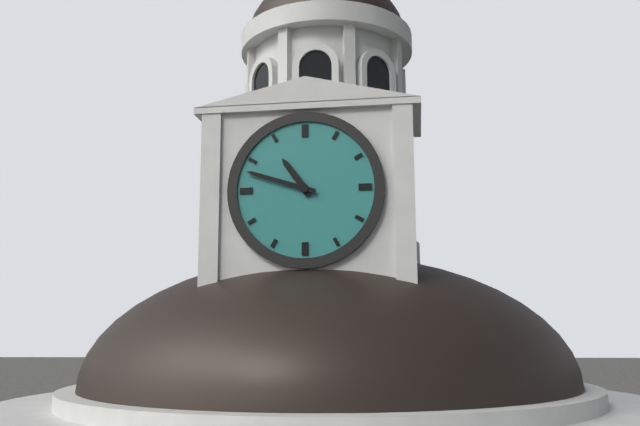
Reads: h=10 m=48
